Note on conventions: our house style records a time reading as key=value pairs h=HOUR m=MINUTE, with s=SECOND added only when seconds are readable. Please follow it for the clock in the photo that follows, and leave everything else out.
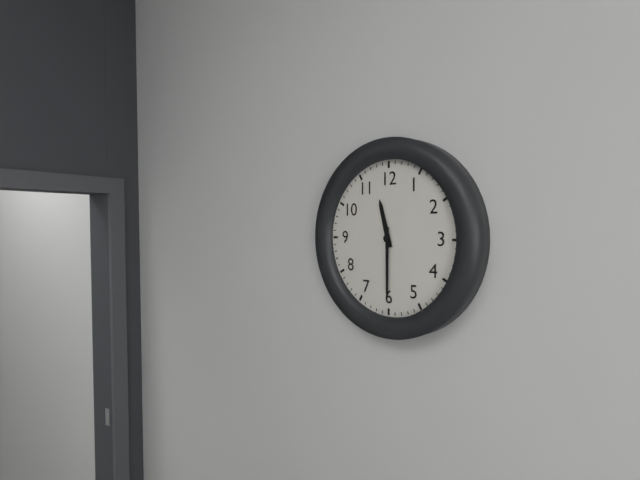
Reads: h=11 m=30
